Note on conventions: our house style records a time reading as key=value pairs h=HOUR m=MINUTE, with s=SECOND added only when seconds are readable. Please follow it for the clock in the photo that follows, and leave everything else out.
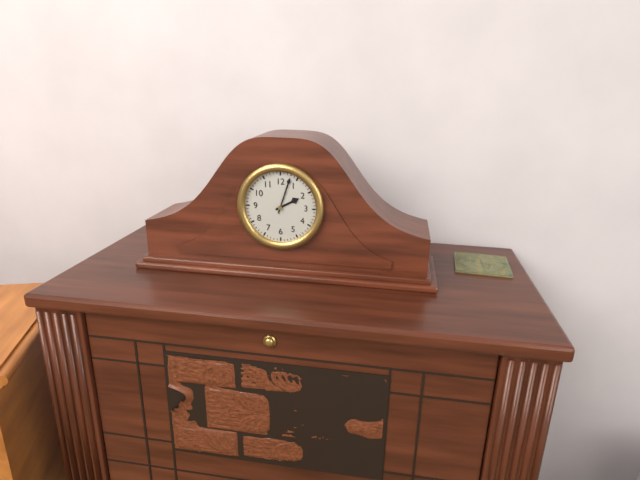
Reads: h=2 m=3
